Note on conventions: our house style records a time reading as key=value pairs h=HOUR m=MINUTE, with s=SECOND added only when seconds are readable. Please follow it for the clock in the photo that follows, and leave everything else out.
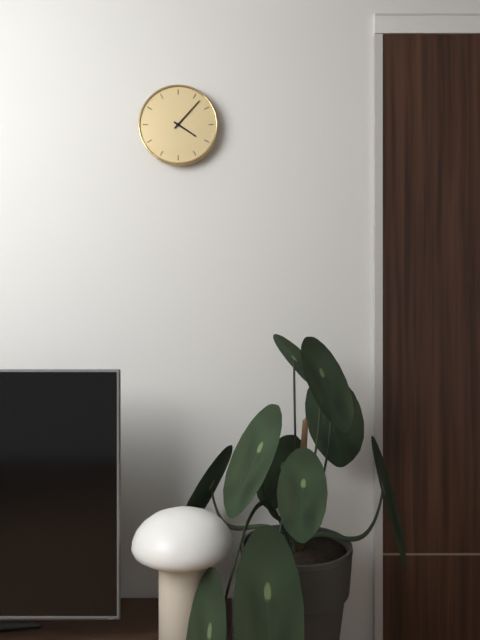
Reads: h=4 m=7
